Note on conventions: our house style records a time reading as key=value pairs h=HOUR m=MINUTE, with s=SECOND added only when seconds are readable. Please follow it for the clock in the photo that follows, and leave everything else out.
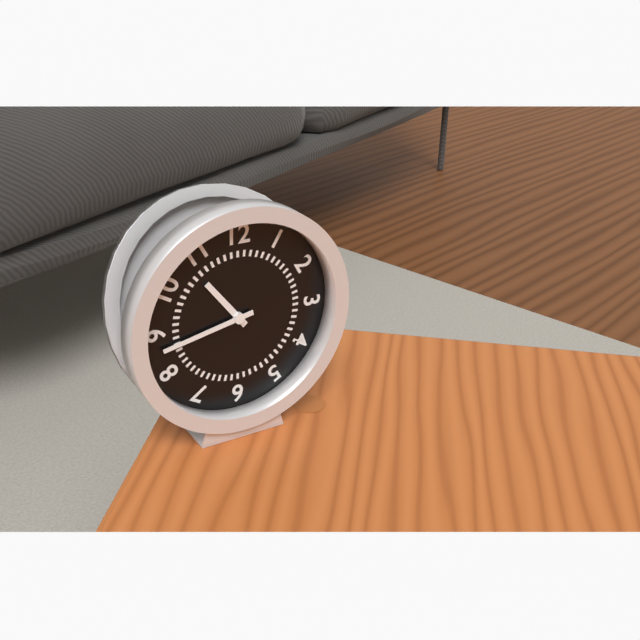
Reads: h=10 m=43
